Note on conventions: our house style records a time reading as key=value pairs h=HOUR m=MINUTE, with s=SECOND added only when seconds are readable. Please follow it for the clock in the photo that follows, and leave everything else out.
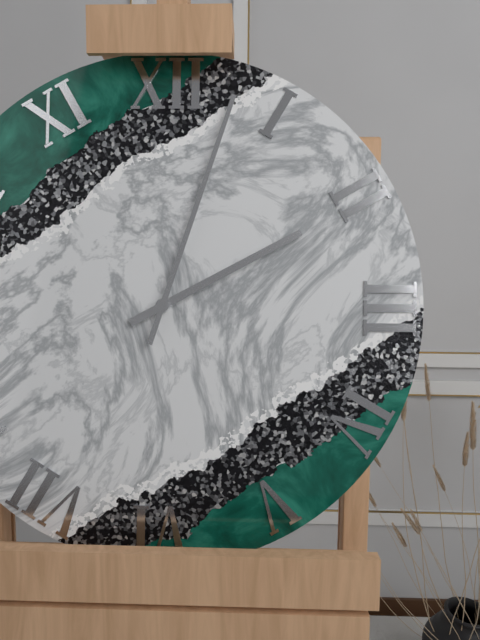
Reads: h=2 m=3
